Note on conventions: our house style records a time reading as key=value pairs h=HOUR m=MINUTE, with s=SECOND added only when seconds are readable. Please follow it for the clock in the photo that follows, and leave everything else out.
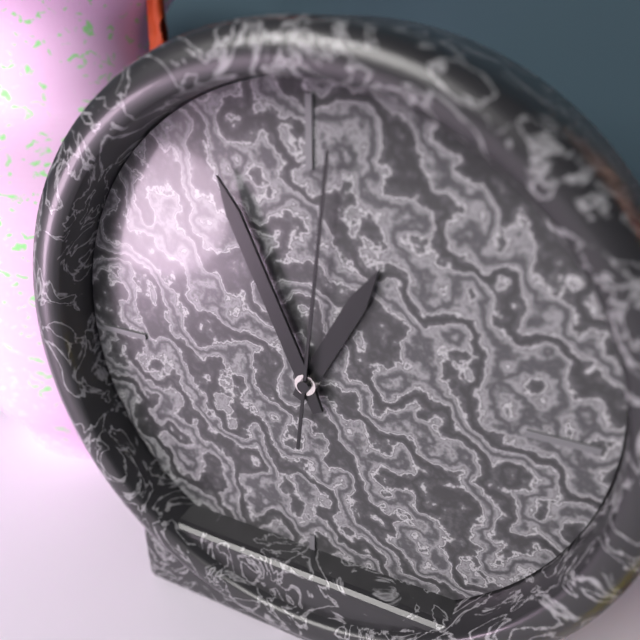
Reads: h=12 m=56 s=1
